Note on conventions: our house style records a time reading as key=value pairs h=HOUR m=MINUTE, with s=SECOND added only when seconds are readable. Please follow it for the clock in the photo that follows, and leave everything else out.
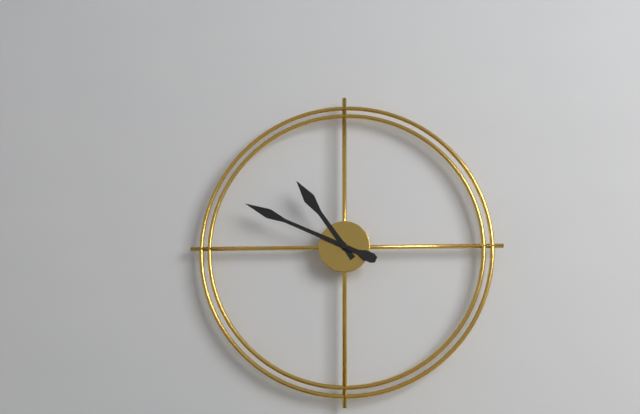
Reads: h=10 m=49
